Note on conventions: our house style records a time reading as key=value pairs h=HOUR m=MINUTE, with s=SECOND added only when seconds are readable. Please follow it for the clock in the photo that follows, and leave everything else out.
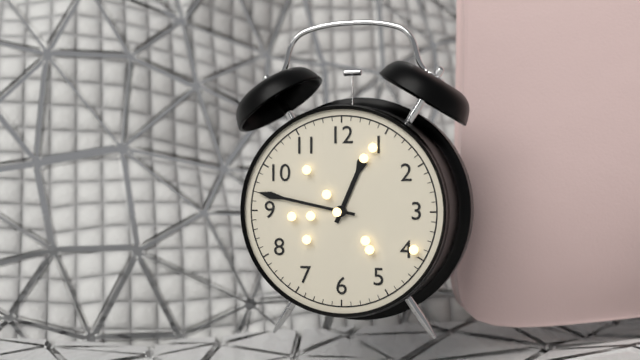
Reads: h=12 m=47
